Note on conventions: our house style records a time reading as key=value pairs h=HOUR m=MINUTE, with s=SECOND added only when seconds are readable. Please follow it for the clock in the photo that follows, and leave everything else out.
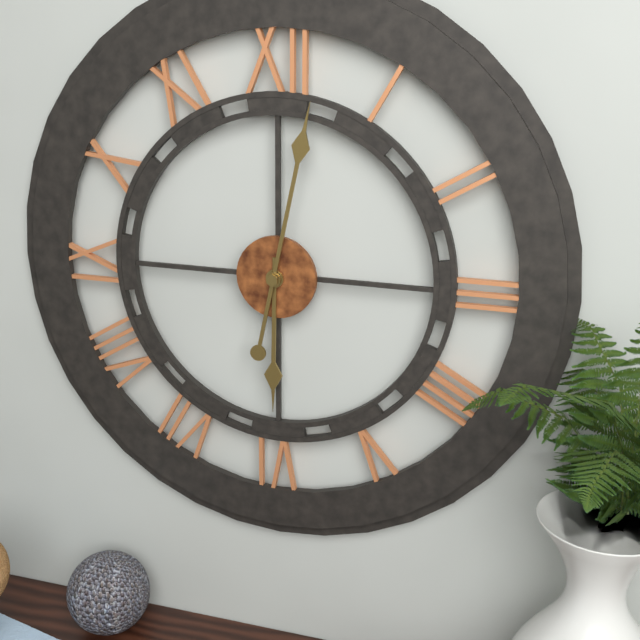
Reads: h=6 m=2
